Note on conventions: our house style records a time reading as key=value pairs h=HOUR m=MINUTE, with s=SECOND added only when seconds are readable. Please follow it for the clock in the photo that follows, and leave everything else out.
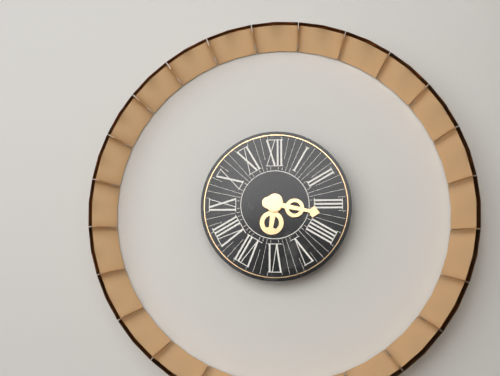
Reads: h=6 m=17
